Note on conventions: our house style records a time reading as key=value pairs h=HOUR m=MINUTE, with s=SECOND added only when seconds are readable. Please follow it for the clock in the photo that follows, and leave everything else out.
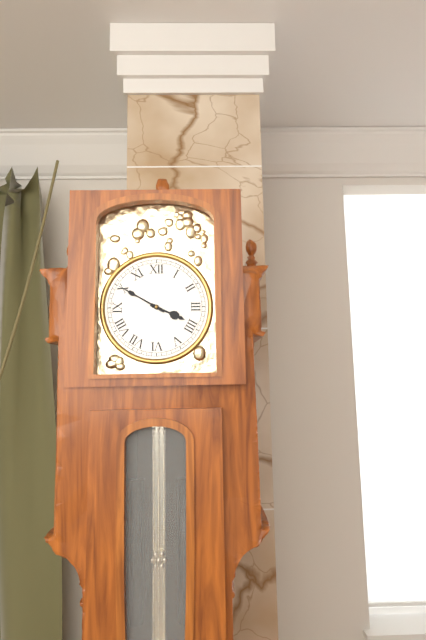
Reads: h=3 m=50
